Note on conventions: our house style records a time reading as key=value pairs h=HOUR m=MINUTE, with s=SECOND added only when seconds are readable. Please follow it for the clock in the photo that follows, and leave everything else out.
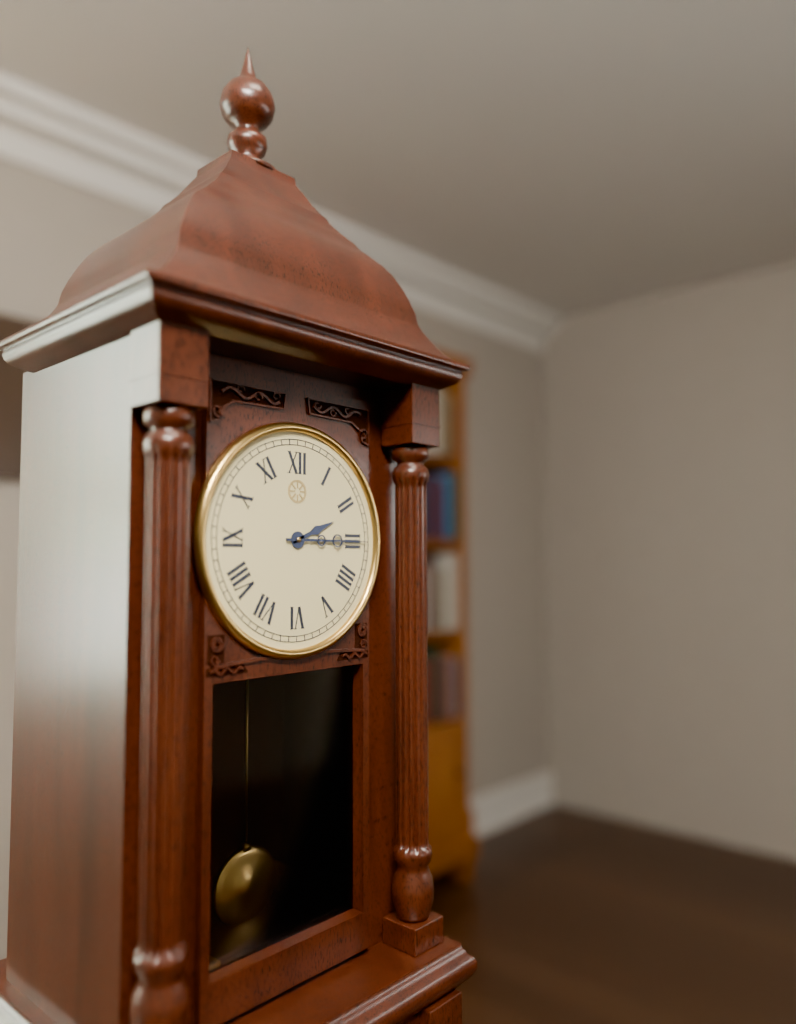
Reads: h=2 m=15
